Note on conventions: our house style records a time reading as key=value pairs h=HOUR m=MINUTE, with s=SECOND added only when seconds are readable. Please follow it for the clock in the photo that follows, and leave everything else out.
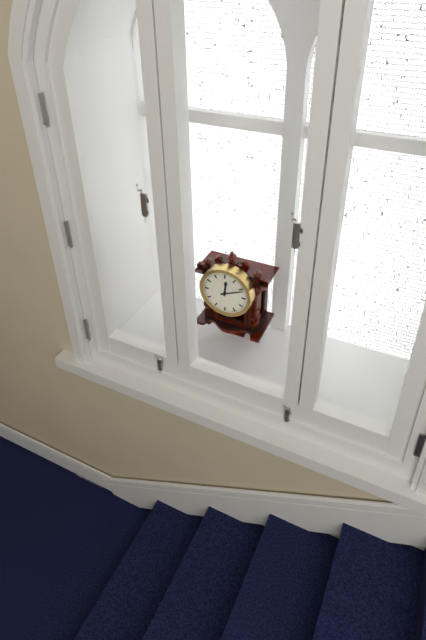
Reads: h=12 m=11
